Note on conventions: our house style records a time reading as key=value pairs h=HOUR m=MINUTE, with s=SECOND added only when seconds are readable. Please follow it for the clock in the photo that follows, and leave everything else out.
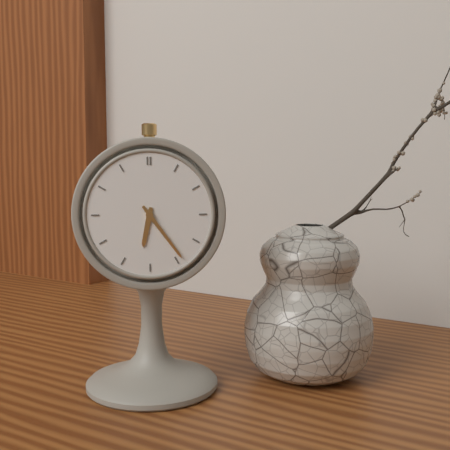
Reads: h=6 m=24
